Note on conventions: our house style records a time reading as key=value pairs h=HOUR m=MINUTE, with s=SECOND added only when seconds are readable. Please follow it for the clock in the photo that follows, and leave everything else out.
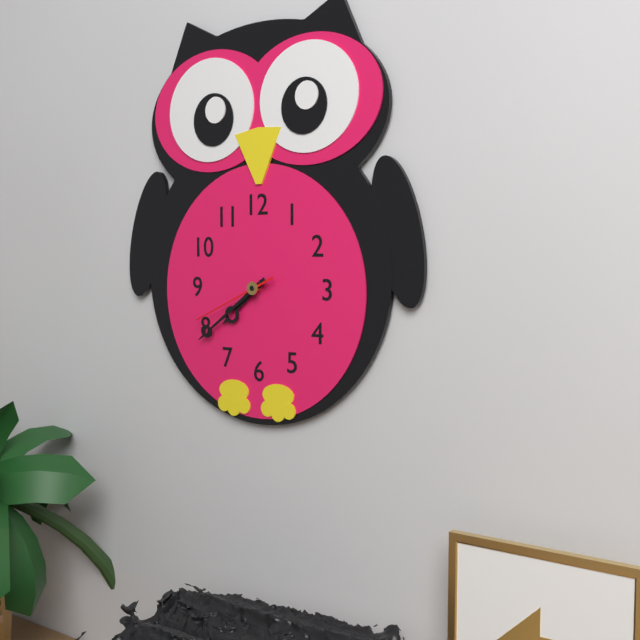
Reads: h=7 m=39 s=41
